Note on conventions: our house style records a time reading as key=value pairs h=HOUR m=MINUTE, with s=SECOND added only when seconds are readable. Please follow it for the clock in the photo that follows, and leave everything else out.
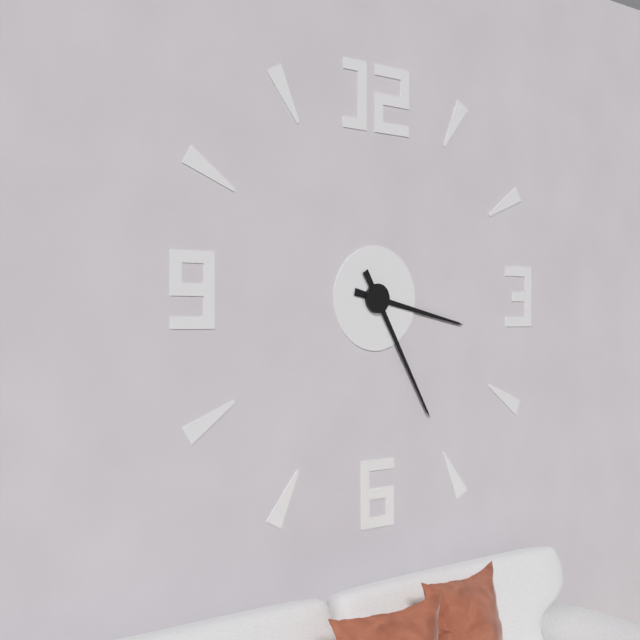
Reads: h=3 m=25
